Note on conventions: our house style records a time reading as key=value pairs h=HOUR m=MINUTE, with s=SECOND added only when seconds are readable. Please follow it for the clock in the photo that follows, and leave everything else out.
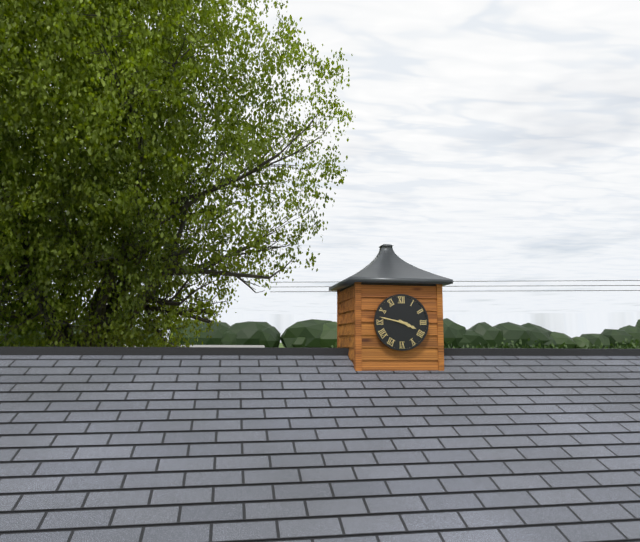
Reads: h=3 m=47
